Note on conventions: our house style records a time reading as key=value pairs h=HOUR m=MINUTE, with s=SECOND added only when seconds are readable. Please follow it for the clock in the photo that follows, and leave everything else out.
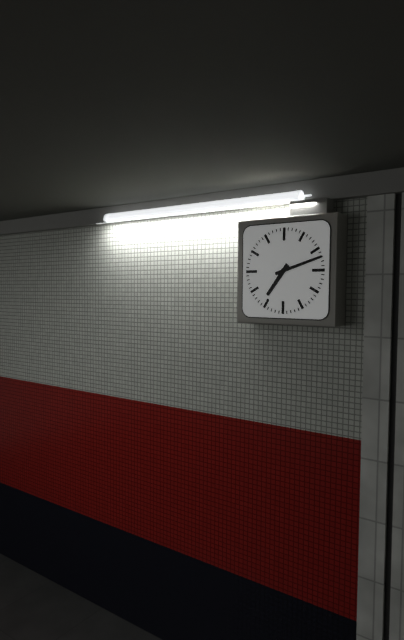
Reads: h=7 m=12
